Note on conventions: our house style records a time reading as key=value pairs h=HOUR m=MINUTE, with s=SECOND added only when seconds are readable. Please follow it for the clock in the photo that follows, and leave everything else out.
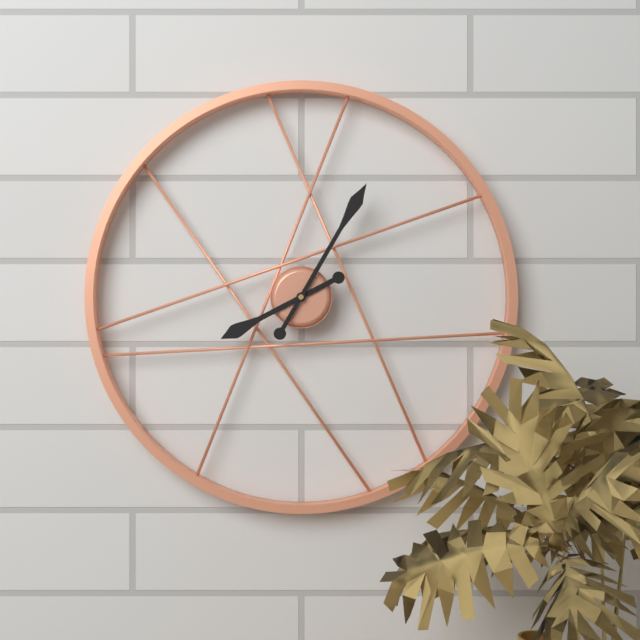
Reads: h=8 m=5
